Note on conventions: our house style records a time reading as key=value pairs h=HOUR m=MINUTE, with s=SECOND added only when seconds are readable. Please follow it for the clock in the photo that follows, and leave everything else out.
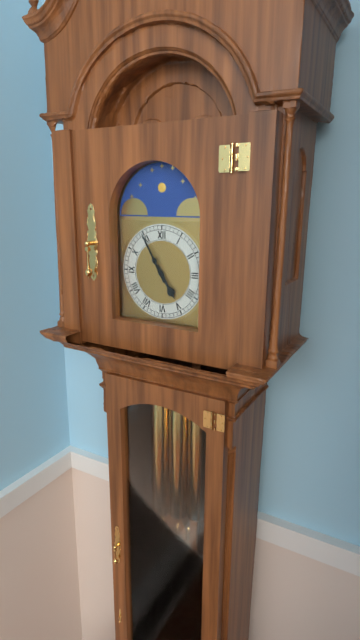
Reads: h=4 m=55
